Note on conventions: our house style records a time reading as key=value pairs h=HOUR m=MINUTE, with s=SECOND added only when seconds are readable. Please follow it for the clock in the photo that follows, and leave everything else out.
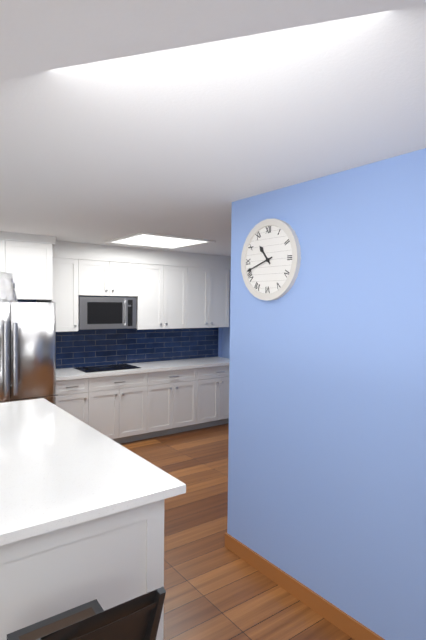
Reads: h=10 m=42
